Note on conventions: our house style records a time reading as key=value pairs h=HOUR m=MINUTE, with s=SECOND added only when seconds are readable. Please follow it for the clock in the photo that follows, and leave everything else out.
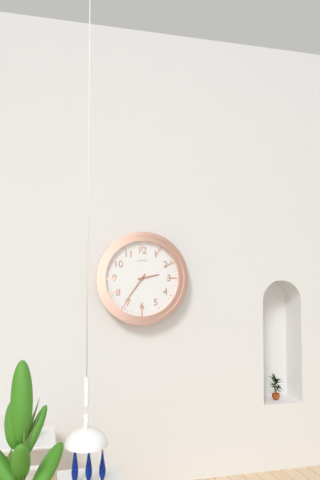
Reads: h=2 m=36
